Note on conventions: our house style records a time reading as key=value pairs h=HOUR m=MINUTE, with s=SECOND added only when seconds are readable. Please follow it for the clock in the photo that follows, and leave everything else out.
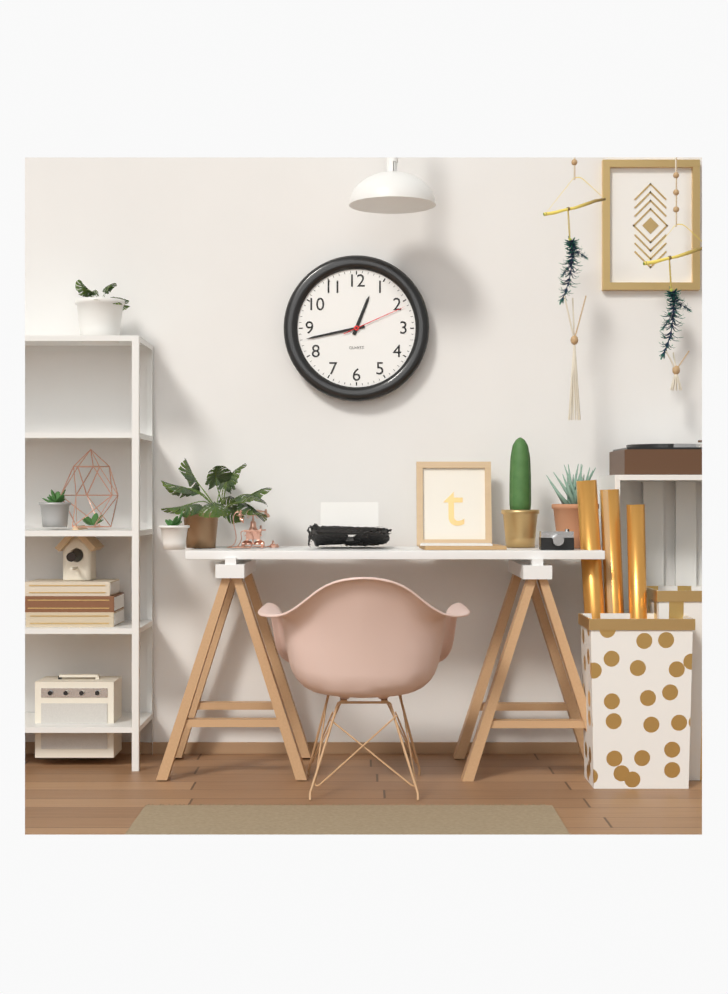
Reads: h=12 m=43 s=11
